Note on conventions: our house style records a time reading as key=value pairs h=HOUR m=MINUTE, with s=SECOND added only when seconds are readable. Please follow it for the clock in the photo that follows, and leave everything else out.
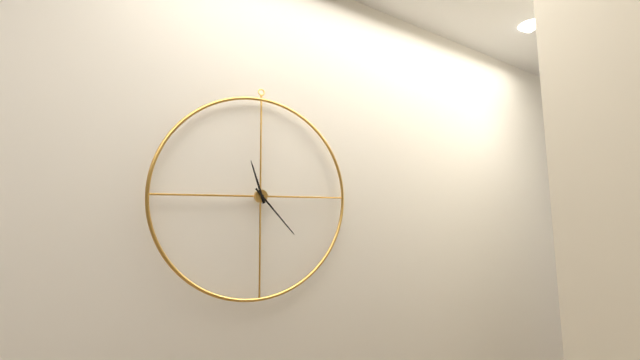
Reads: h=11 m=23
